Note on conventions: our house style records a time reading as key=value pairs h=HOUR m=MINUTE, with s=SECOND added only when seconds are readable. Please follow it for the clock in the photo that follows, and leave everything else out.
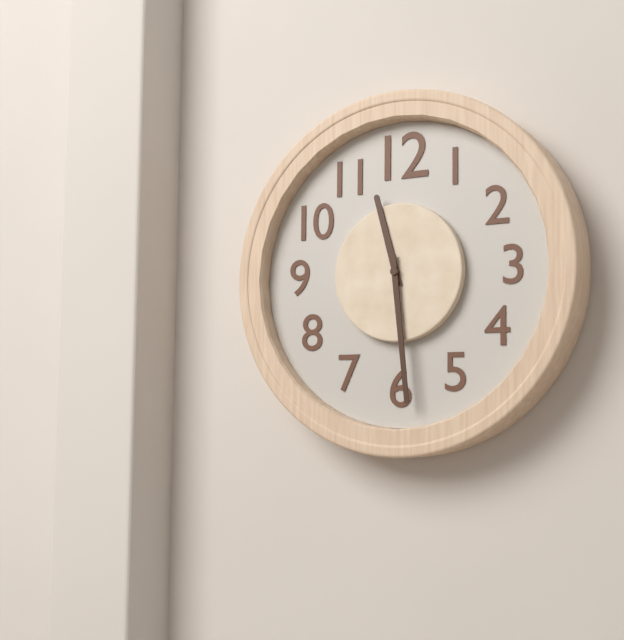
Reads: h=11 m=29
